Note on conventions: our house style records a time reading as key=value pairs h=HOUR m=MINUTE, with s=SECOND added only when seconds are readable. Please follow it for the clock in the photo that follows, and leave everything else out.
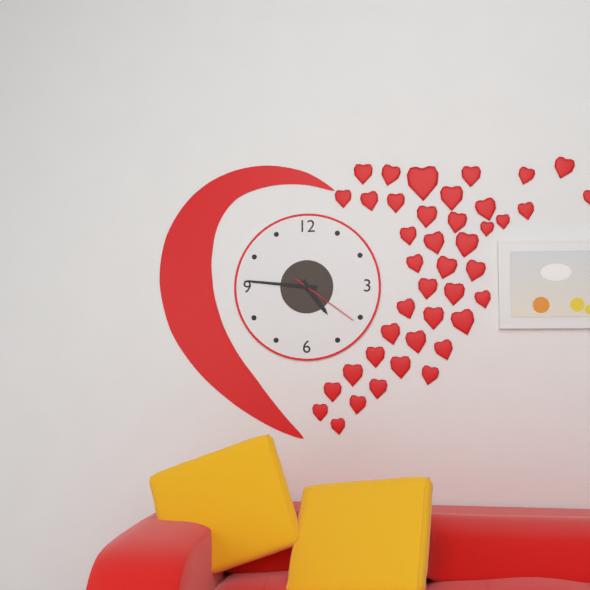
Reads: h=4 m=46 s=21
